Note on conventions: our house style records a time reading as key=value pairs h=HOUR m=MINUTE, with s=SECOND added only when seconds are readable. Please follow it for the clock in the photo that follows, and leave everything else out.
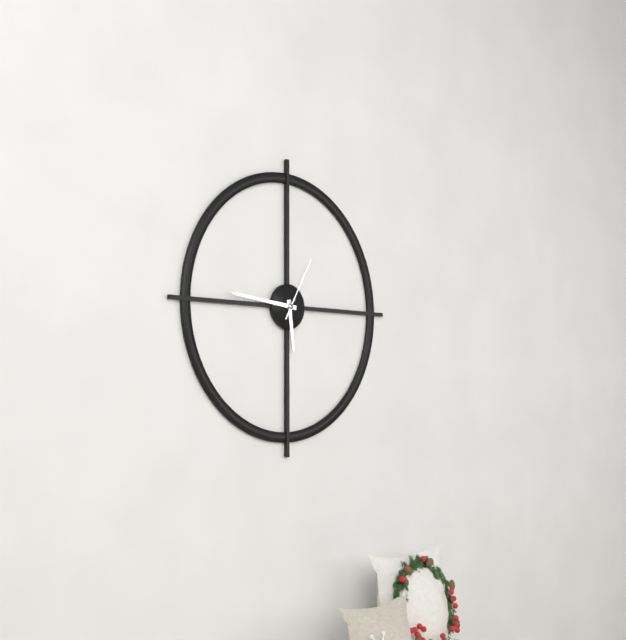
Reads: h=5 m=46 s=5
